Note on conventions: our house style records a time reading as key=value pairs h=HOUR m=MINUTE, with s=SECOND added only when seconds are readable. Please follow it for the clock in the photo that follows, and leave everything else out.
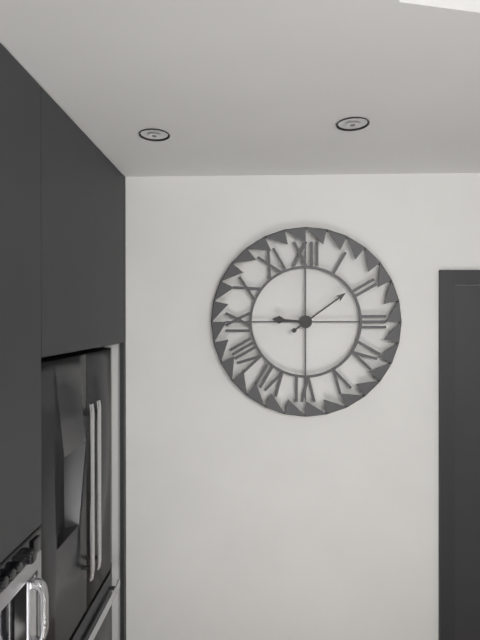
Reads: h=9 m=9
